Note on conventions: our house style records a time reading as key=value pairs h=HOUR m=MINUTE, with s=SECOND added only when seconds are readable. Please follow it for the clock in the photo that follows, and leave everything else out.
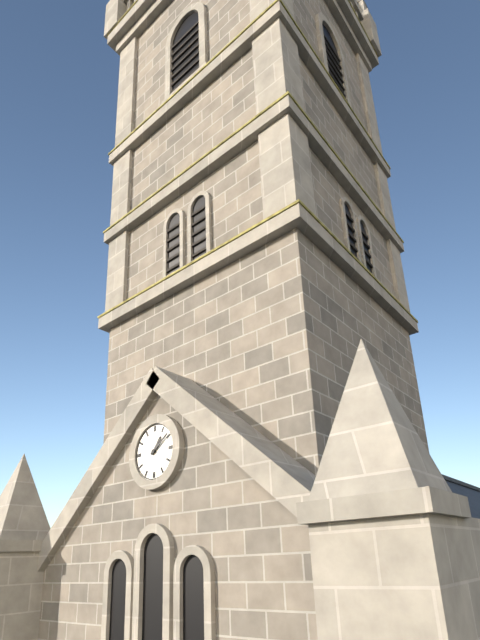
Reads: h=1 m=9
